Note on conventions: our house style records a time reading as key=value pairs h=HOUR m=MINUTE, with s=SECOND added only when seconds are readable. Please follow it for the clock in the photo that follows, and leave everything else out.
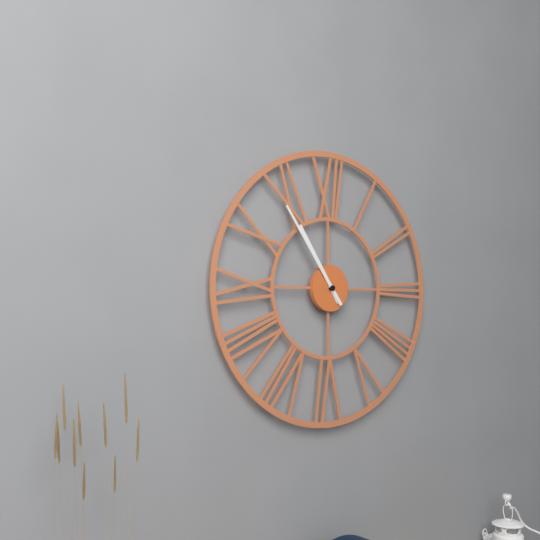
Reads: h=10 m=54
